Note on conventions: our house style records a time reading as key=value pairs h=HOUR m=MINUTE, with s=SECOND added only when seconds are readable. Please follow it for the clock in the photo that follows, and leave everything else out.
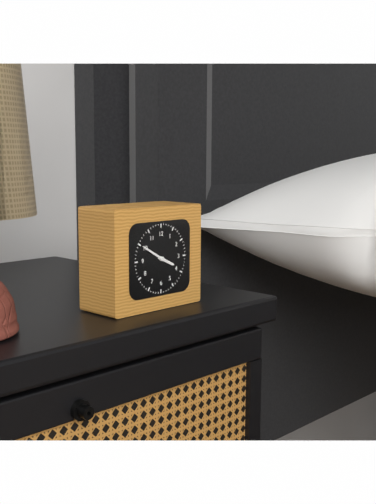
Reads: h=3 m=50
